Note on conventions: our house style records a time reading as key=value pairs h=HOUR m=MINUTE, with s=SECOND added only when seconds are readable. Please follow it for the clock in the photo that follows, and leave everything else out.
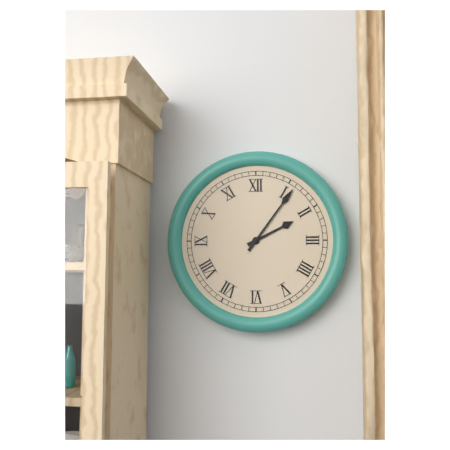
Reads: h=2 m=6
